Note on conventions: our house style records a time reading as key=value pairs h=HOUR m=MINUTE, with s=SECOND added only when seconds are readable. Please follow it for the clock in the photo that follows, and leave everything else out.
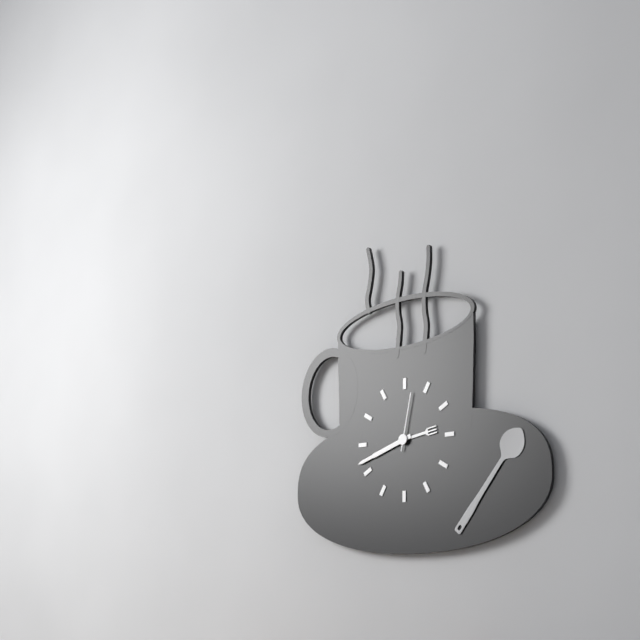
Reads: h=2 m=42 s=2
